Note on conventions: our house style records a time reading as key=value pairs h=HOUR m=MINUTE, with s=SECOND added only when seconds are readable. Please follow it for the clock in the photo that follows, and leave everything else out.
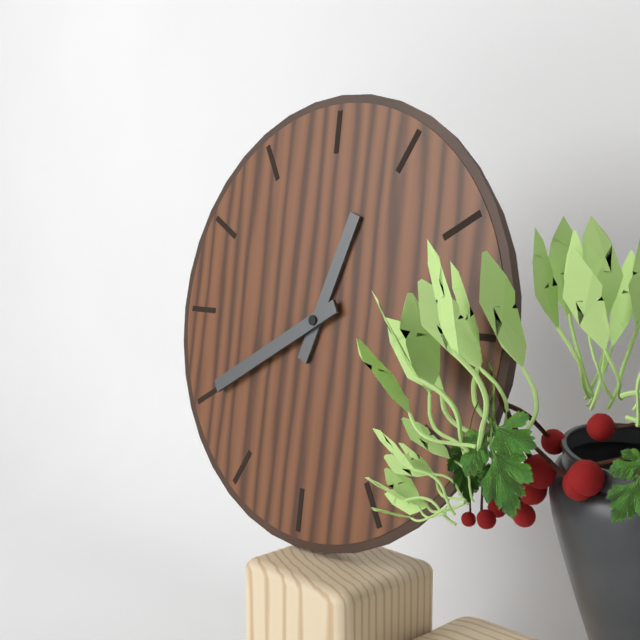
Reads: h=12 m=40
